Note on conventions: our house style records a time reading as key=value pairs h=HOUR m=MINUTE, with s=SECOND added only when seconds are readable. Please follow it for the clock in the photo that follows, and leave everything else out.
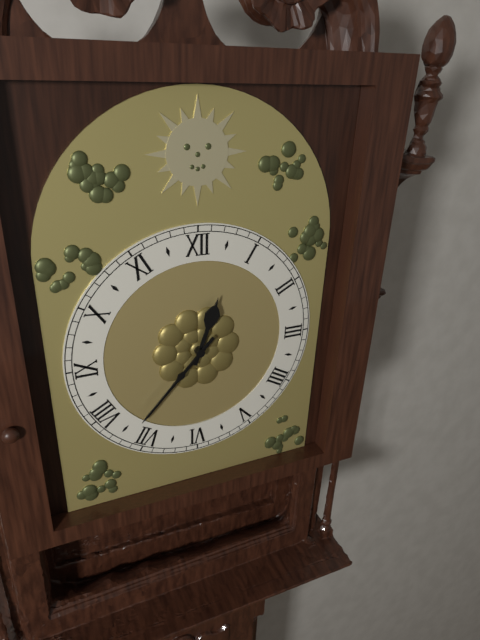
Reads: h=12 m=37
